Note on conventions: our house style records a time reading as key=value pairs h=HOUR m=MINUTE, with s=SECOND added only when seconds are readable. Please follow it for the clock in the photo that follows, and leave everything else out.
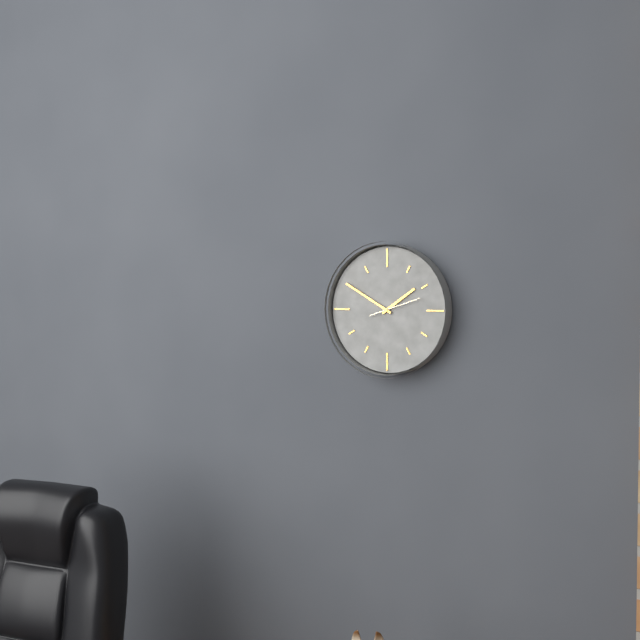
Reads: h=1 m=50
